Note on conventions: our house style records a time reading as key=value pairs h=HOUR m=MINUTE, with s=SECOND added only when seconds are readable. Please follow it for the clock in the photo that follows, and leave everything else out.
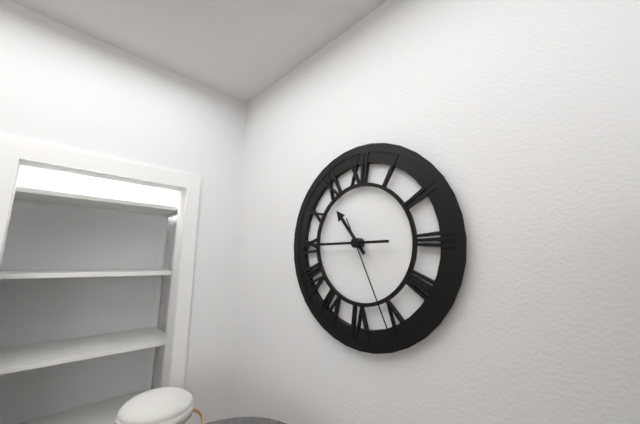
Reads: h=10 m=45 s=26
